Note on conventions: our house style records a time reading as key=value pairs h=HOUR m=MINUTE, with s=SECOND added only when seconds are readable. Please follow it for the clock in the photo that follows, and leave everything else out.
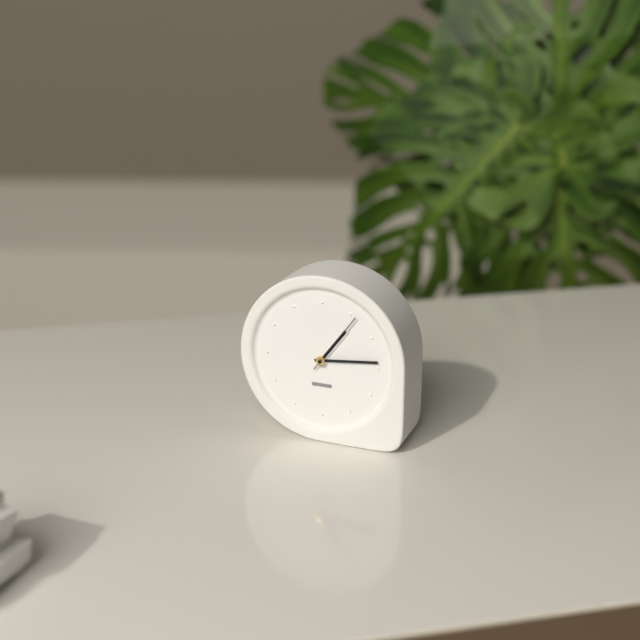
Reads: h=1 m=14 s=6
